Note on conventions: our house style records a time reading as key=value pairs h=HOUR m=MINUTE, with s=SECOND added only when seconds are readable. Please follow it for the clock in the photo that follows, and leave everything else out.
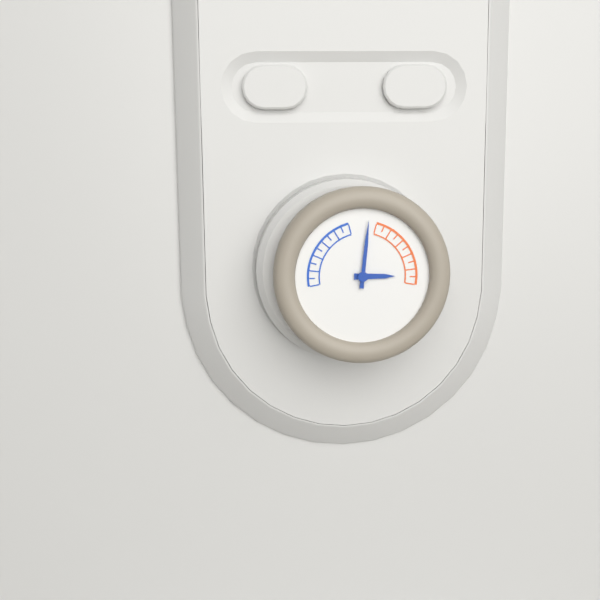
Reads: h=3 m=1
